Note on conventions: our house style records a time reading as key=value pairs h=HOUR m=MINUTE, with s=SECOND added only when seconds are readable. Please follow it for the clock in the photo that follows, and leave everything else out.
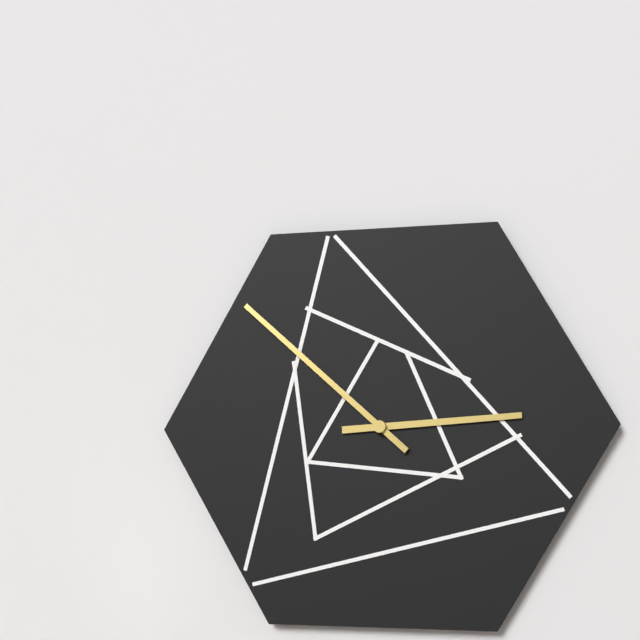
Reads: h=2 m=52
